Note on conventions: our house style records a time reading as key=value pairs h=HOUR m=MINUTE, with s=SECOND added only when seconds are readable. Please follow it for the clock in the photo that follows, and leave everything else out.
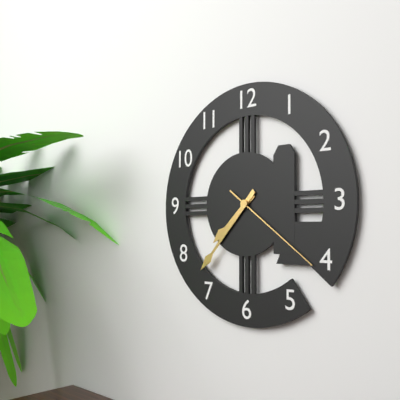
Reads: h=7 m=37 s=21
